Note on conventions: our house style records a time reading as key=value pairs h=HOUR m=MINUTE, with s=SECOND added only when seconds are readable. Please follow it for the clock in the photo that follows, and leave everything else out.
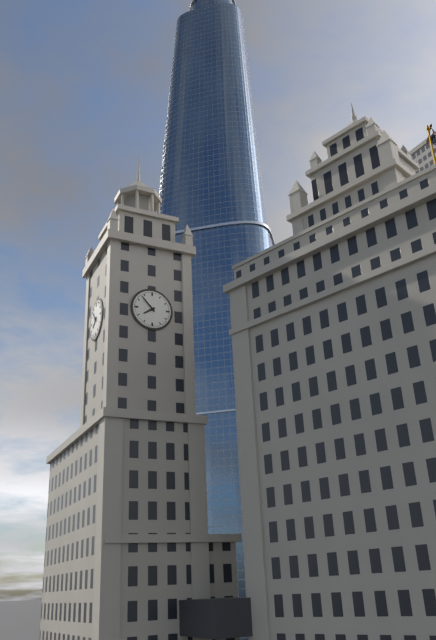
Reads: h=7 m=53
